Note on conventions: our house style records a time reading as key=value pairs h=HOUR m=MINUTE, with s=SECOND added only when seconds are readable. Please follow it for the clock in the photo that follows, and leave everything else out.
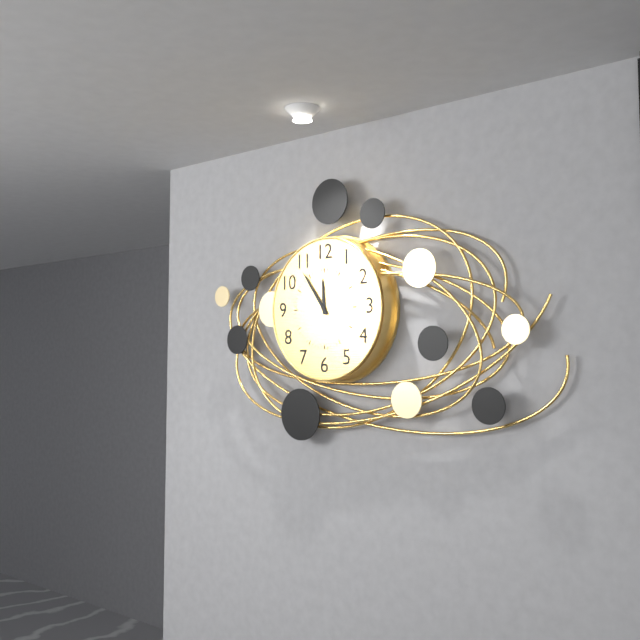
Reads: h=11 m=54
